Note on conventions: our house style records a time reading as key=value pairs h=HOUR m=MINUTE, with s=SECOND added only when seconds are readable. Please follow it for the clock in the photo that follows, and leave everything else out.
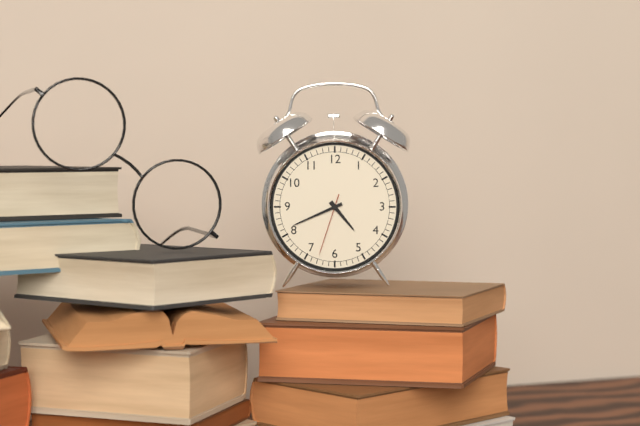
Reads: h=4 m=41 s=33
